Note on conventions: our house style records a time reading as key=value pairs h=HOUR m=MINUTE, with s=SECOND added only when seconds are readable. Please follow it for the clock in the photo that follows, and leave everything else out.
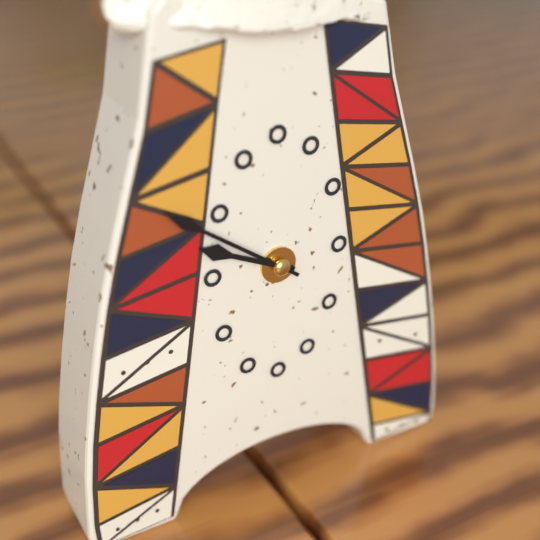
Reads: h=9 m=51
